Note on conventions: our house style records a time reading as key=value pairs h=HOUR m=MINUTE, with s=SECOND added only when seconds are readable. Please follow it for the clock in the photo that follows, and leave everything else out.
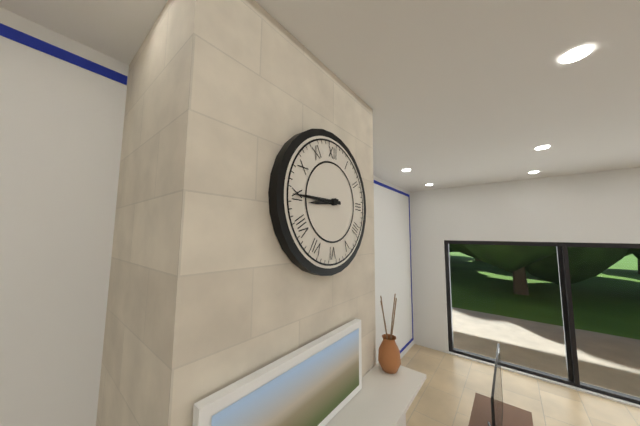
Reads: h=8 m=45
